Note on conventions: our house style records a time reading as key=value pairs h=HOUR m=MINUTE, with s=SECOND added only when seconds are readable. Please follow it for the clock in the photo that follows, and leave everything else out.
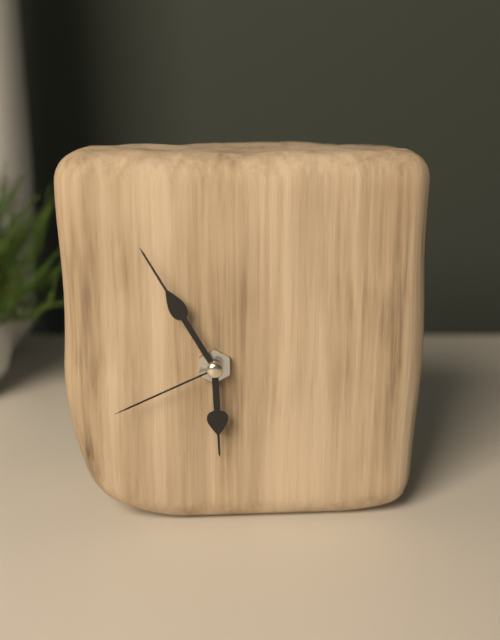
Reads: h=5 m=55 s=41
